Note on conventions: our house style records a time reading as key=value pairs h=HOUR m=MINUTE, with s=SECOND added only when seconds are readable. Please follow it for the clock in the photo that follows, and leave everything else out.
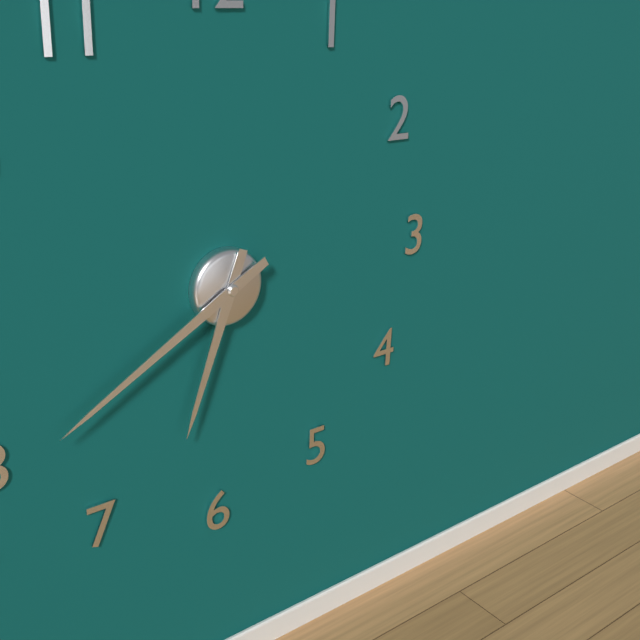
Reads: h=6 m=40
